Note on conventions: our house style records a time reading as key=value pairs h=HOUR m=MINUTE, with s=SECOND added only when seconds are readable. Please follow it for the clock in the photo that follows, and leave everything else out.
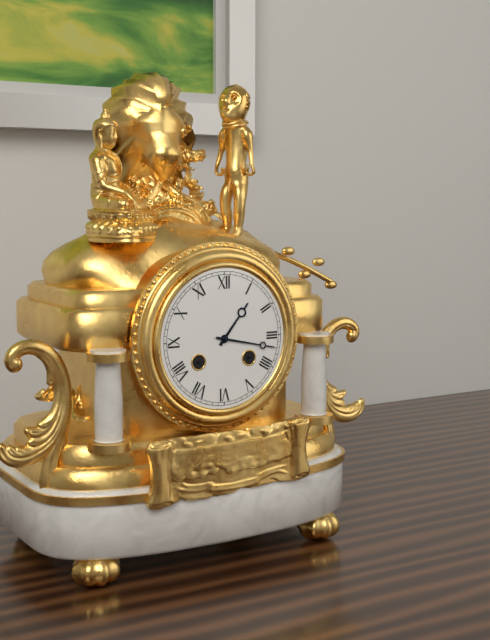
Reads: h=1 m=17
